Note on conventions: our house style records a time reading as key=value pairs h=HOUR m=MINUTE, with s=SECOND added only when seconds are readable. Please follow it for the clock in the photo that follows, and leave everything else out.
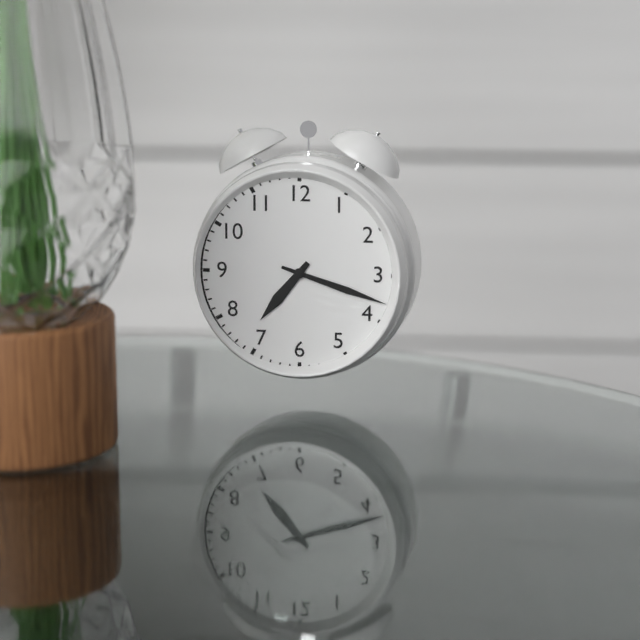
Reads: h=7 m=18
